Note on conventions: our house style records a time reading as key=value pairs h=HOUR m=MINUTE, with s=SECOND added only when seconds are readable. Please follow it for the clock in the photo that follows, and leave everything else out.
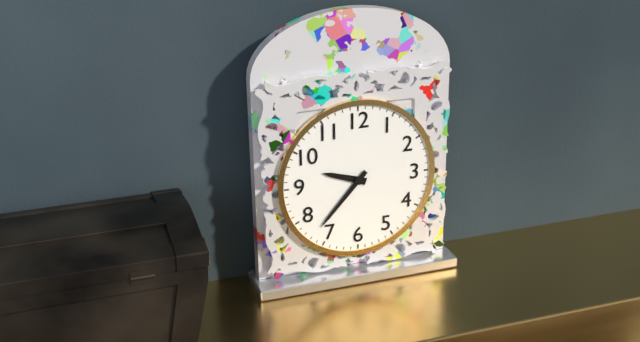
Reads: h=9 m=37
